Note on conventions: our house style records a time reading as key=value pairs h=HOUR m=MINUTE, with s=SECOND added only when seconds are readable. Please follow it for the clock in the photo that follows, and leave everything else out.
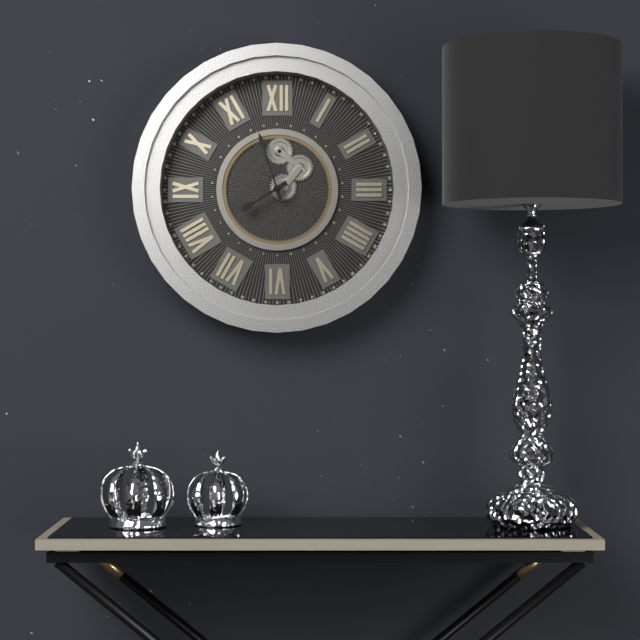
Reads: h=7 m=57
